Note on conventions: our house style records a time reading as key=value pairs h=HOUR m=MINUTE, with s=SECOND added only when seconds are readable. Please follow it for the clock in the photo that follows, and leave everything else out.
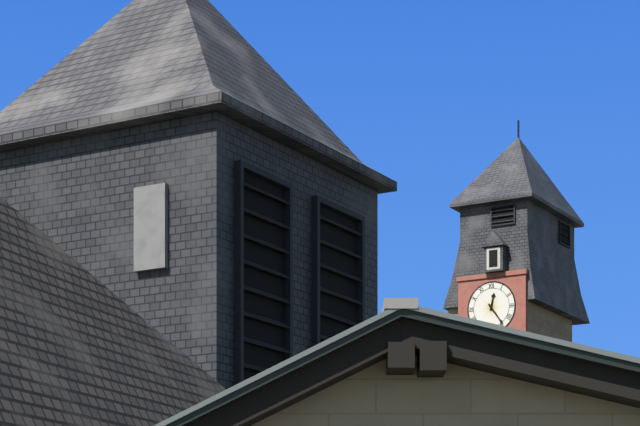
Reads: h=12 m=24
